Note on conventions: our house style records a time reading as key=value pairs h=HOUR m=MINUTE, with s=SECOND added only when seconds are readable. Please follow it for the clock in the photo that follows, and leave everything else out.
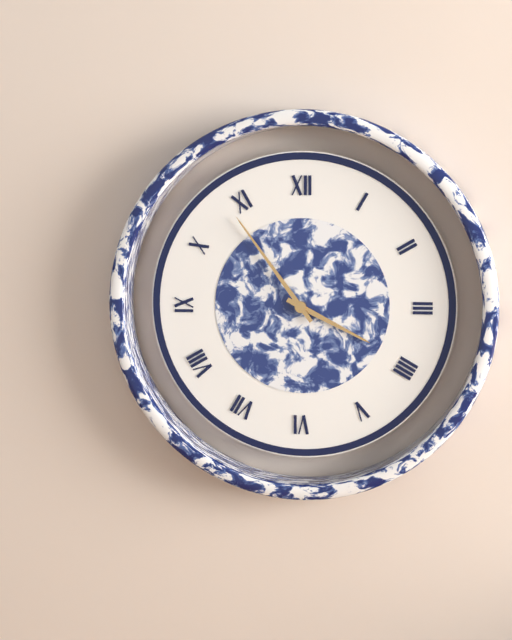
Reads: h=3 m=54
